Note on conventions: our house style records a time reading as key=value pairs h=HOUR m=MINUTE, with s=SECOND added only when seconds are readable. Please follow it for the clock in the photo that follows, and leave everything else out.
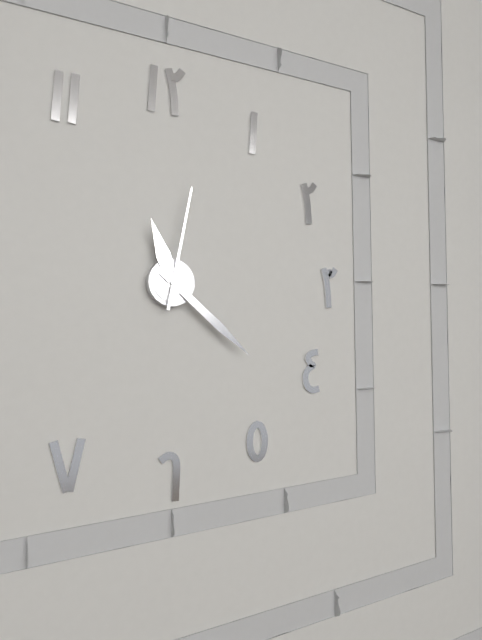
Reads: h=11 m=22 s=2
